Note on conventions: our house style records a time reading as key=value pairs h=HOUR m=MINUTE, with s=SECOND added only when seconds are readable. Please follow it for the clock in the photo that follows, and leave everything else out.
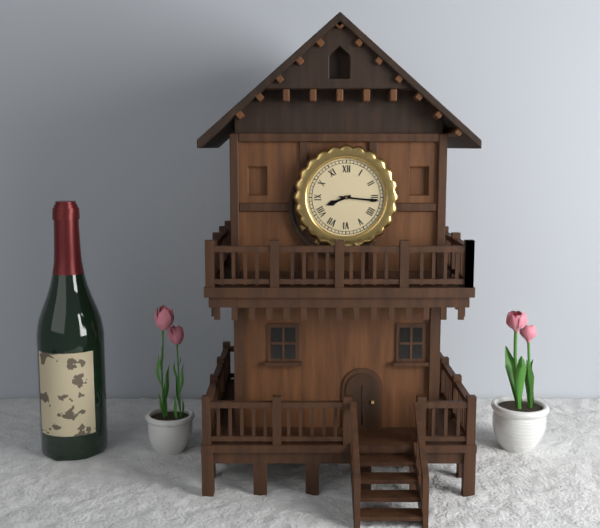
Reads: h=8 m=16
